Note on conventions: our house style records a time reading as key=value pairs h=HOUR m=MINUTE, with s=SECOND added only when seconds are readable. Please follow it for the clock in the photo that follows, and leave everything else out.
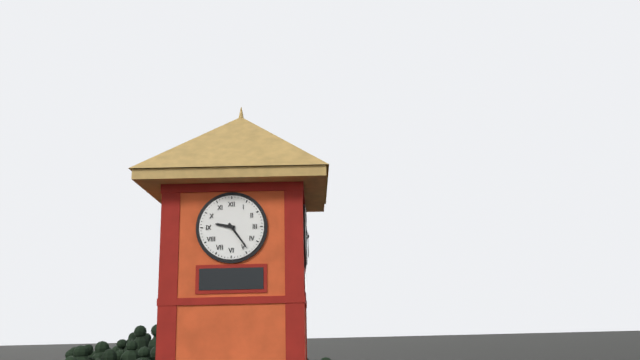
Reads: h=9 m=24
